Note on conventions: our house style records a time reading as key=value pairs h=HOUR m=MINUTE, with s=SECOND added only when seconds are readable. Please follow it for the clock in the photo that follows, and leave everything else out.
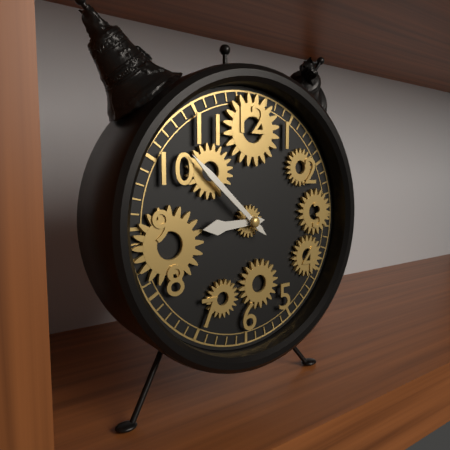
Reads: h=8 m=52
